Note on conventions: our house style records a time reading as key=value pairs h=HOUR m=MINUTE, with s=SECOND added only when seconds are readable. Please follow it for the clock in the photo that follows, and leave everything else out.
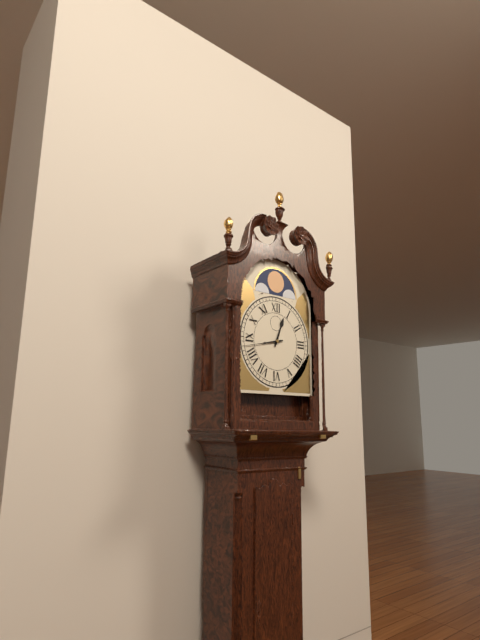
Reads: h=12 m=43
